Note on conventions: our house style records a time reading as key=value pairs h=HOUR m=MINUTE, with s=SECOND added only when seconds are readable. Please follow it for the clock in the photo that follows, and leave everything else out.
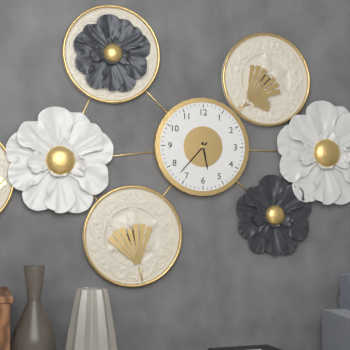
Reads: h=5 m=37
